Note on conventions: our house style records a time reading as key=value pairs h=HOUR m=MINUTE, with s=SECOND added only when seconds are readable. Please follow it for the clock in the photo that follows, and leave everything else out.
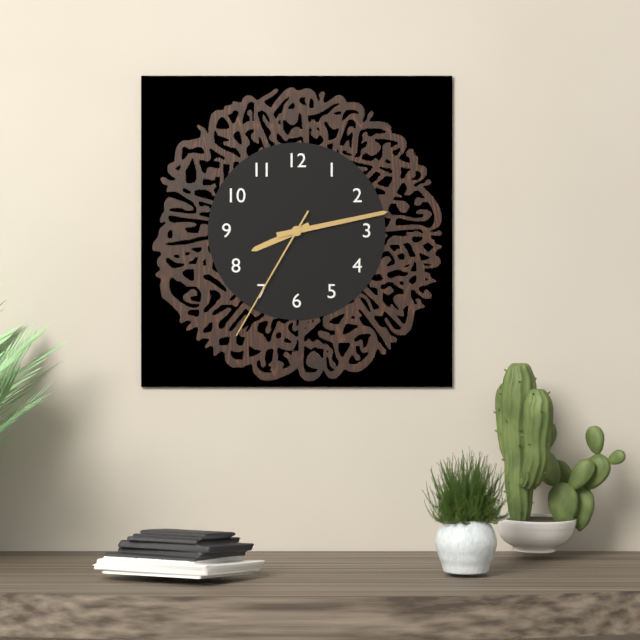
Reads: h=8 m=13 s=35
